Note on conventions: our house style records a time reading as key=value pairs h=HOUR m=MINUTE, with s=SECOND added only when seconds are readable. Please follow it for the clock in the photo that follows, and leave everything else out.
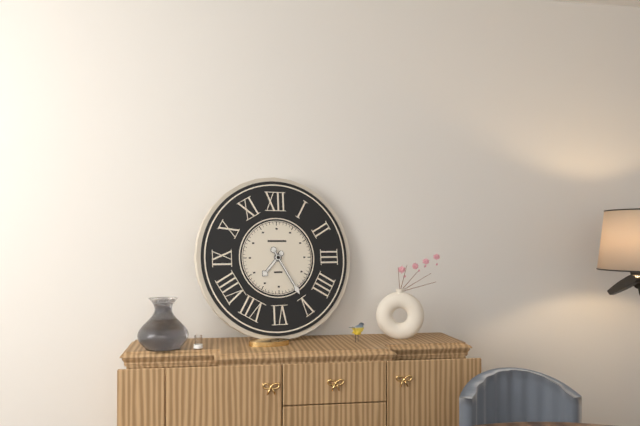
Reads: h=7 m=25
